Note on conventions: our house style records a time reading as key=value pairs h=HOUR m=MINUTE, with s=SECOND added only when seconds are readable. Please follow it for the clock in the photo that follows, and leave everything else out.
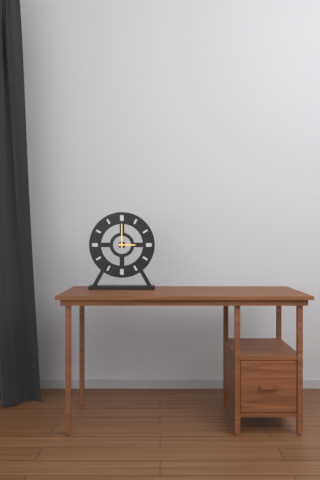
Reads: h=3 m=0
